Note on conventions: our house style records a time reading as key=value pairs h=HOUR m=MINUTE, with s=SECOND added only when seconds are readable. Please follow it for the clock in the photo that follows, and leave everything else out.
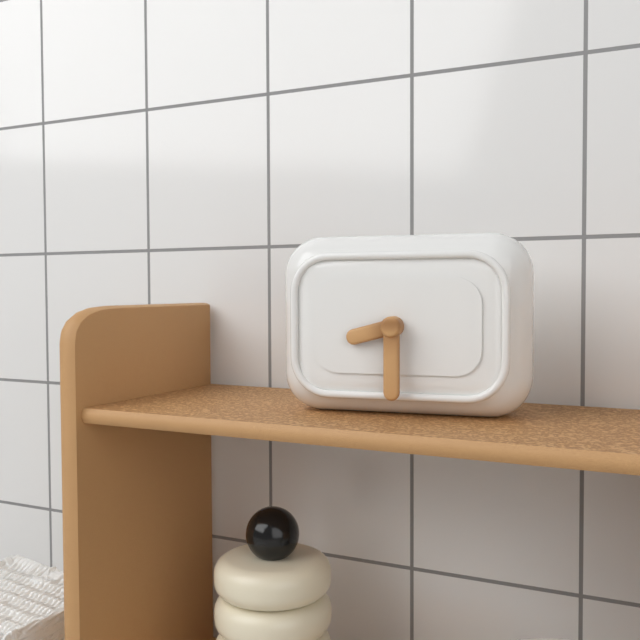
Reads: h=8 m=30
